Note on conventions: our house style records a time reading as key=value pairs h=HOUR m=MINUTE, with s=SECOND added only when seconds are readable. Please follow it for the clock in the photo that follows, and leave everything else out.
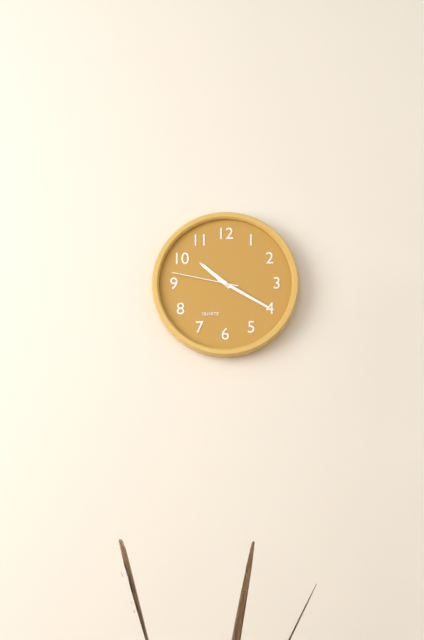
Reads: h=10 m=20 s=47
